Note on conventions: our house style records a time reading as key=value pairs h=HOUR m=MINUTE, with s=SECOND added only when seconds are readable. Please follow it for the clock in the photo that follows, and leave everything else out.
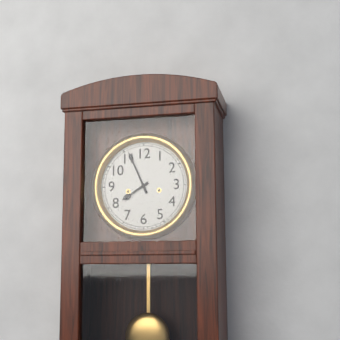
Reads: h=7 m=56
